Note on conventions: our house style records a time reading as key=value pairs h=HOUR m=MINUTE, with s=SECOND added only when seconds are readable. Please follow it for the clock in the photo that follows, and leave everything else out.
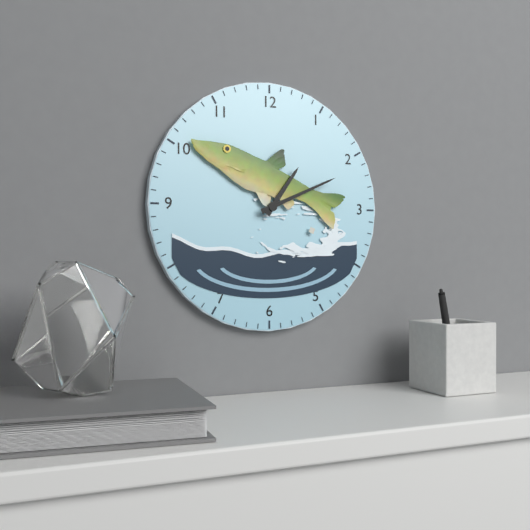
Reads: h=1 m=11
